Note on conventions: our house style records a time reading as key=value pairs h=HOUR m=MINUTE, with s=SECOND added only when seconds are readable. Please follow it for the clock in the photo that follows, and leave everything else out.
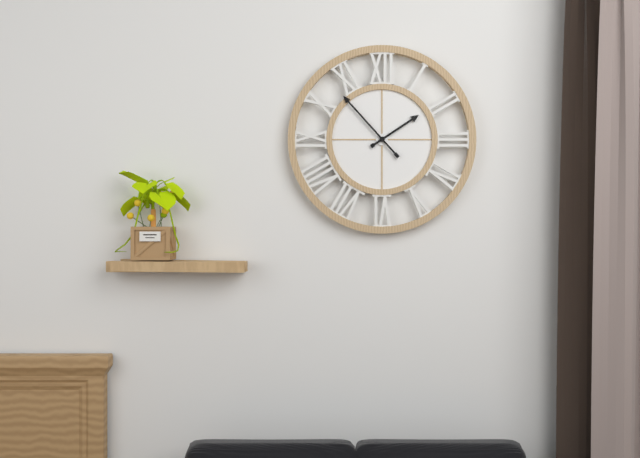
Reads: h=1 m=53
